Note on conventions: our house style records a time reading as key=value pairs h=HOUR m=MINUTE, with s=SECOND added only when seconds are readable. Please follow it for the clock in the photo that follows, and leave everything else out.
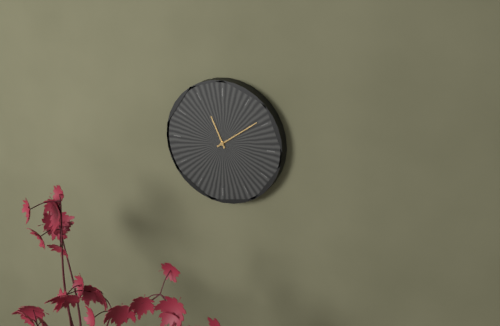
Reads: h=11 m=9
